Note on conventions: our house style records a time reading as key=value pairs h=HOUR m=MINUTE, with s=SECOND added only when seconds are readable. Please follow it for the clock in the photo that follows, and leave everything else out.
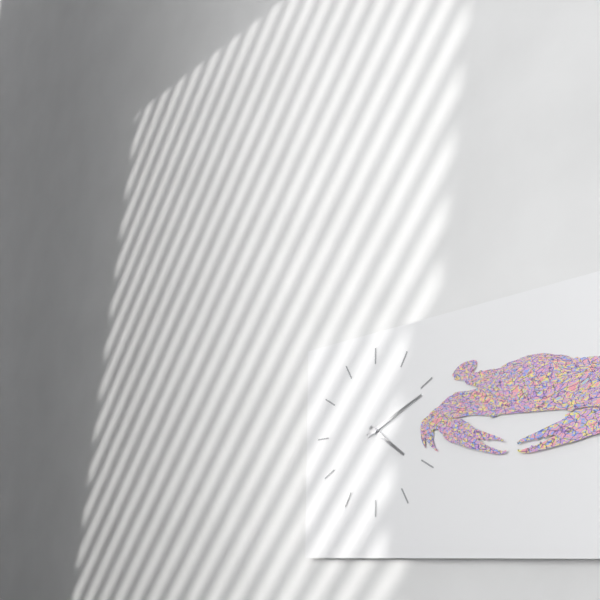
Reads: h=4 m=11
